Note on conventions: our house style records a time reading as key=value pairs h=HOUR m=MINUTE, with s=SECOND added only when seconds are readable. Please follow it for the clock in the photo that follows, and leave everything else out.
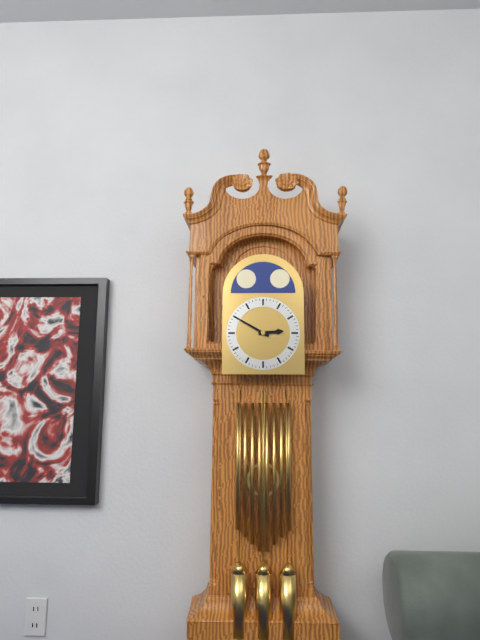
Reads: h=2 m=50
